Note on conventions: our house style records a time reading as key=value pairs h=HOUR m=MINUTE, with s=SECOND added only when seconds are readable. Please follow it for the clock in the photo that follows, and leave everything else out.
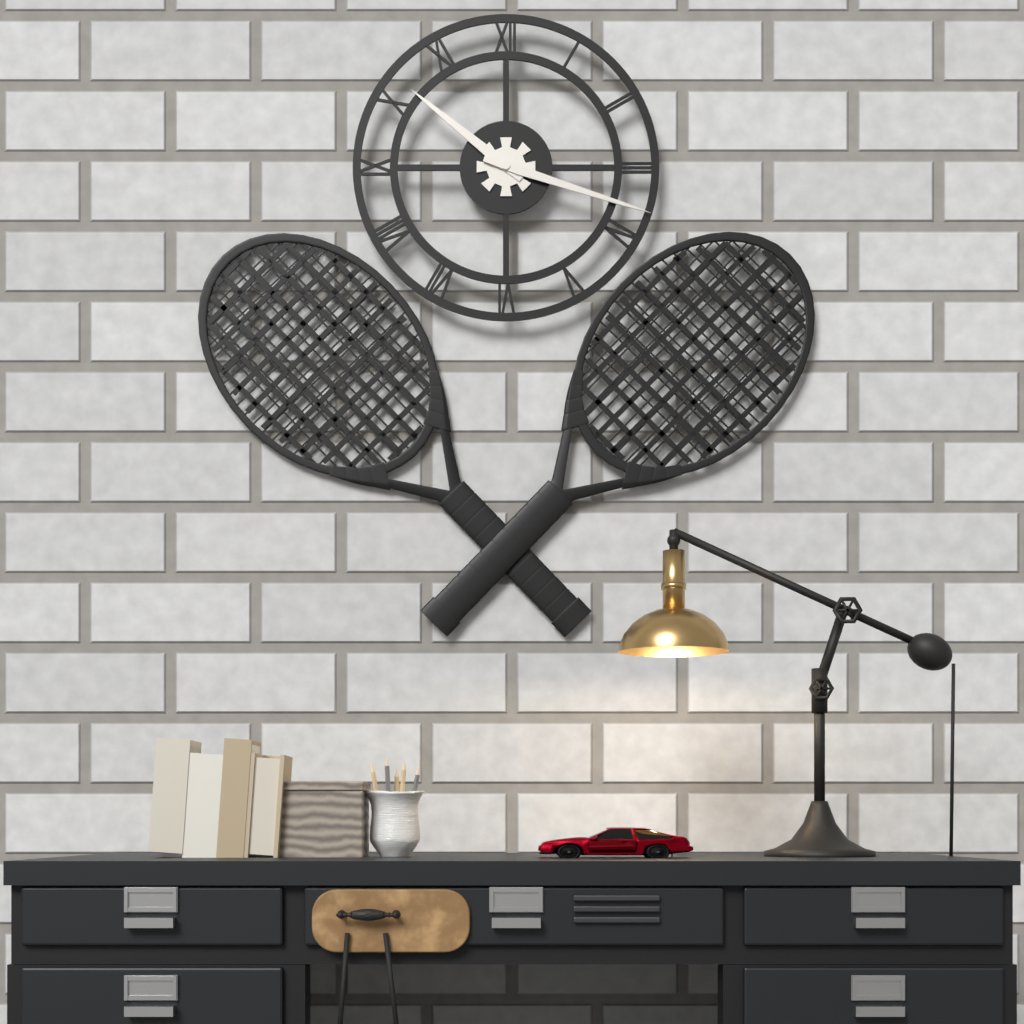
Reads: h=10 m=18
